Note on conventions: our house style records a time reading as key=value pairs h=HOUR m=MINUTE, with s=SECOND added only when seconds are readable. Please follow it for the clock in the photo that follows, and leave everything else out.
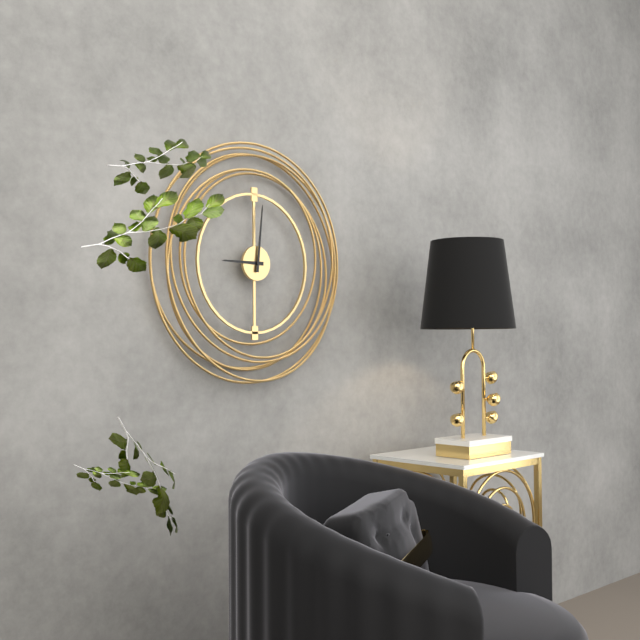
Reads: h=9 m=1
